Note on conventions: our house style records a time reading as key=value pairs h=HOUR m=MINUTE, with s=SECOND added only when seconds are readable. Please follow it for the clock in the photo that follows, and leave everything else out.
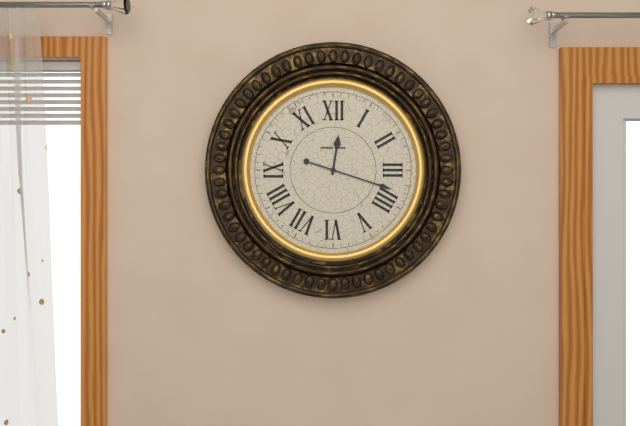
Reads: h=12 m=18
